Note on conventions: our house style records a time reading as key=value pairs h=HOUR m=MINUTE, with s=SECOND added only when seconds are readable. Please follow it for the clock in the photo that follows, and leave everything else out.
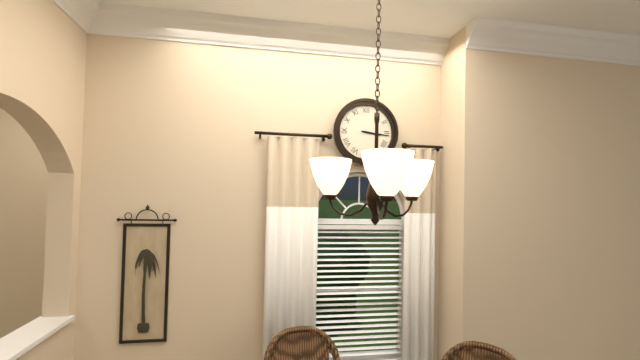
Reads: h=3 m=16
